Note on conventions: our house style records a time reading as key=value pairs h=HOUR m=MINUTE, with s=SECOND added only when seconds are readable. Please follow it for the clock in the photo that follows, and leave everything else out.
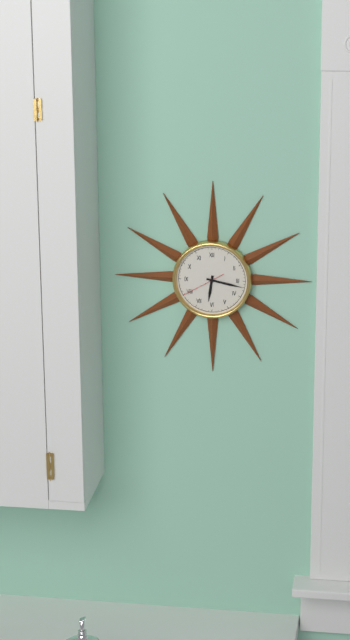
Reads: h=6 m=17
